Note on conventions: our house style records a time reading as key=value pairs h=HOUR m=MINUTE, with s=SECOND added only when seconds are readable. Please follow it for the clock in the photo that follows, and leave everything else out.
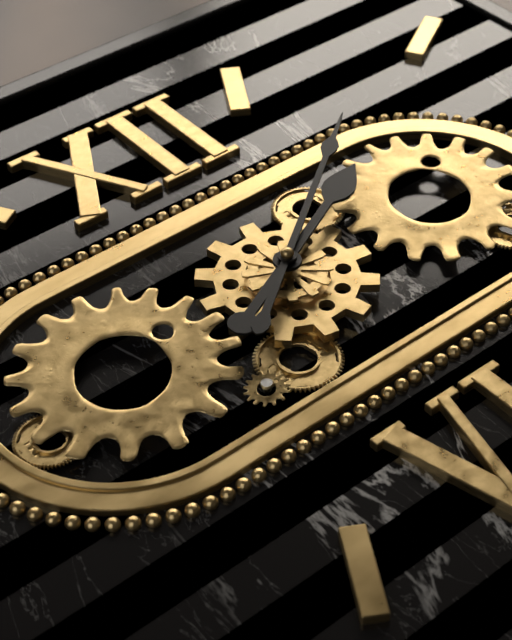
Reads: h=2 m=9
